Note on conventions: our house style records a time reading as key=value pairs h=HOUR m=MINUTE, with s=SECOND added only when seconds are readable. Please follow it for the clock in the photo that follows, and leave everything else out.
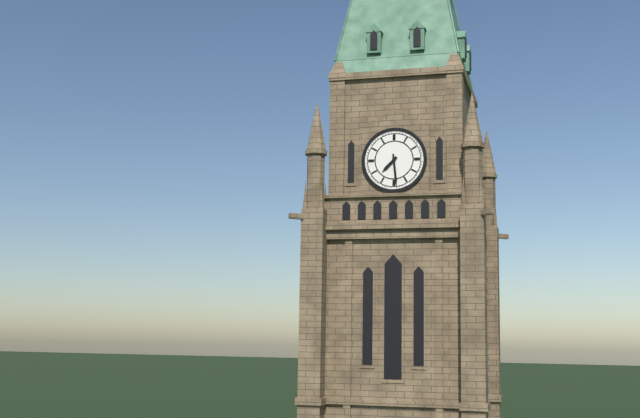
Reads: h=7 m=29
